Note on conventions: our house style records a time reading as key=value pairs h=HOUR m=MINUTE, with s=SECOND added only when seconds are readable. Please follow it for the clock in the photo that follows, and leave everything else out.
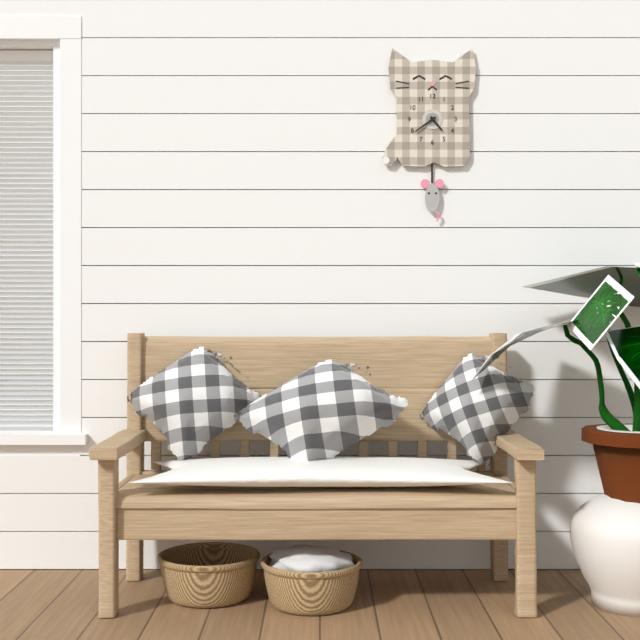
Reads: h=4 m=39
